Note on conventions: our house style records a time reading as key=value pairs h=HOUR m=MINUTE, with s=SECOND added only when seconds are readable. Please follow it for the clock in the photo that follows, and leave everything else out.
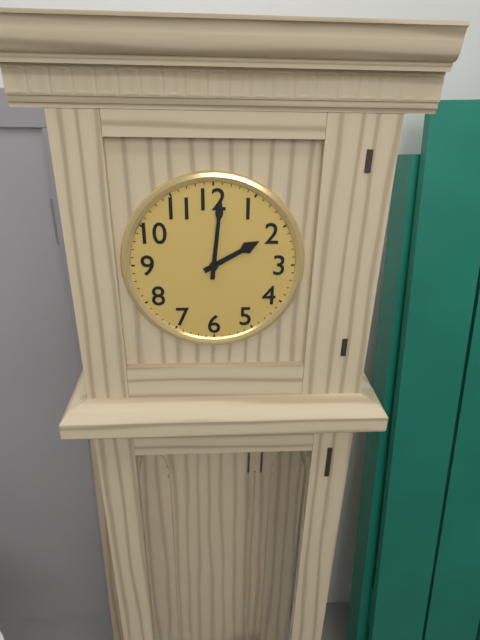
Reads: h=2 m=1
